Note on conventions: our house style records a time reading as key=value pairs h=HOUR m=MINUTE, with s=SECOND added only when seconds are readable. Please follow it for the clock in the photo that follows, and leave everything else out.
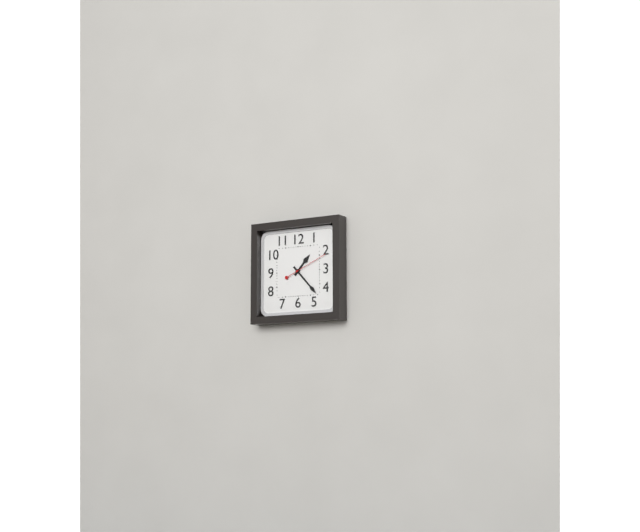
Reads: h=1 m=23
